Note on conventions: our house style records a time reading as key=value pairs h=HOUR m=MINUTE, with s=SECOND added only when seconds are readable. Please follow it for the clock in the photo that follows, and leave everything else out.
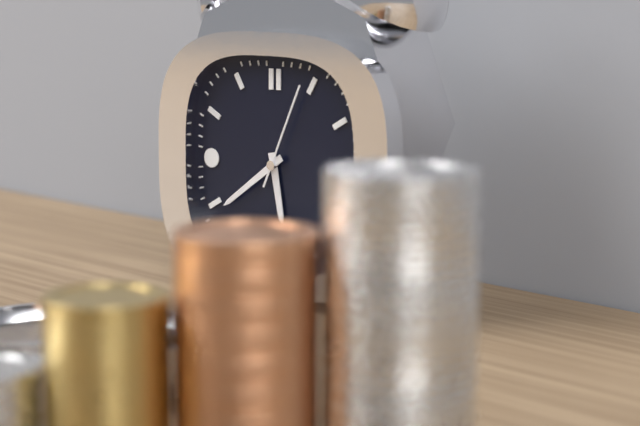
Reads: h=5 m=39 s=4
